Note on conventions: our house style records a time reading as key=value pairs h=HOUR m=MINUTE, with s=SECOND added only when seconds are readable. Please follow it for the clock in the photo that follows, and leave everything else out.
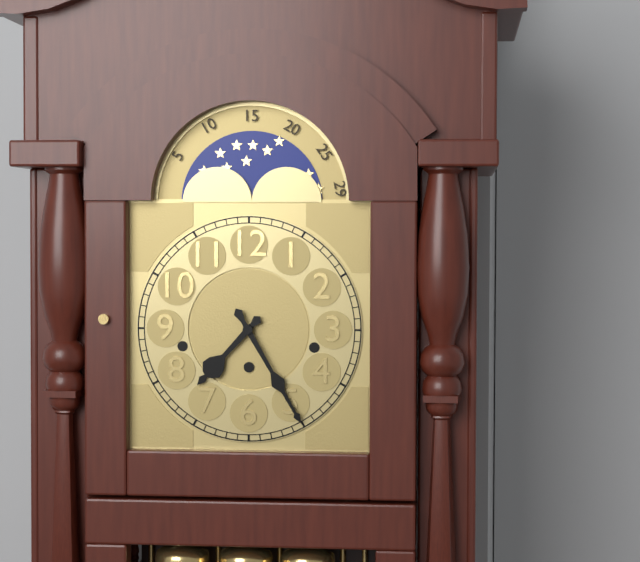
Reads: h=7 m=25
